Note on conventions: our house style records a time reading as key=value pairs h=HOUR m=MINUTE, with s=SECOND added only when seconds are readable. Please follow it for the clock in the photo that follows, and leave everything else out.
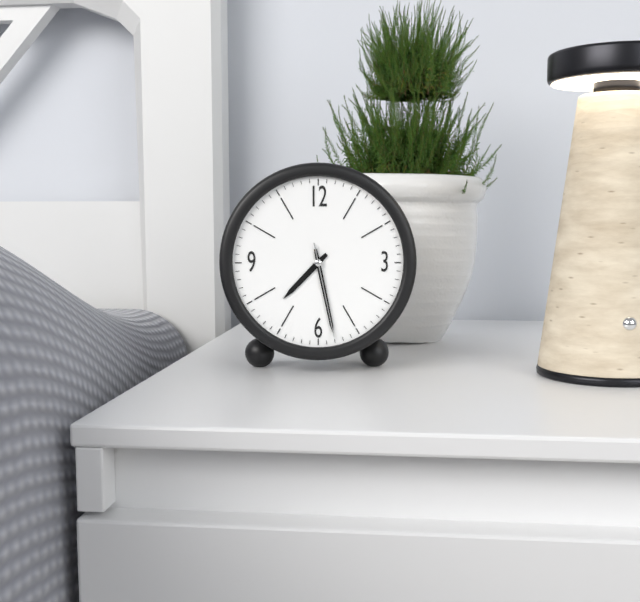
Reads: h=7 m=28 s=28
